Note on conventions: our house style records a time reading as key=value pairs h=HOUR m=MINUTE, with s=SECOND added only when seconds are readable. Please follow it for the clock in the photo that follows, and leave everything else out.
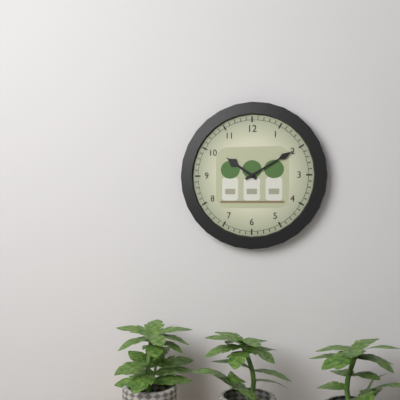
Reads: h=10 m=10
